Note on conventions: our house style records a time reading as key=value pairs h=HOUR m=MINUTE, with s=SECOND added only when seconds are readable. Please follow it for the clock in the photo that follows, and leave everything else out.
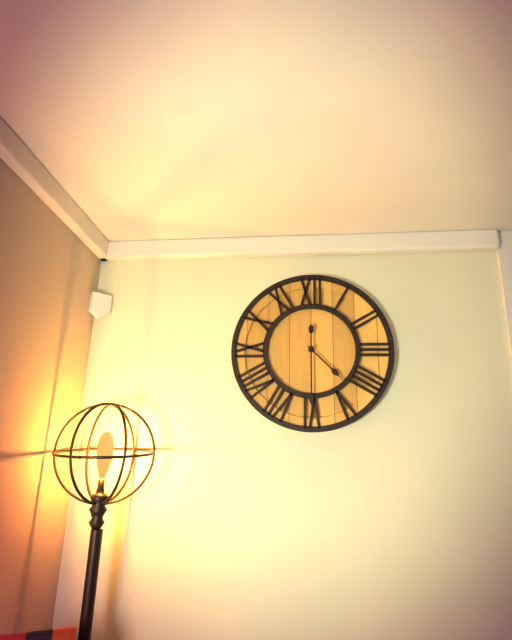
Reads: h=4 m=30
